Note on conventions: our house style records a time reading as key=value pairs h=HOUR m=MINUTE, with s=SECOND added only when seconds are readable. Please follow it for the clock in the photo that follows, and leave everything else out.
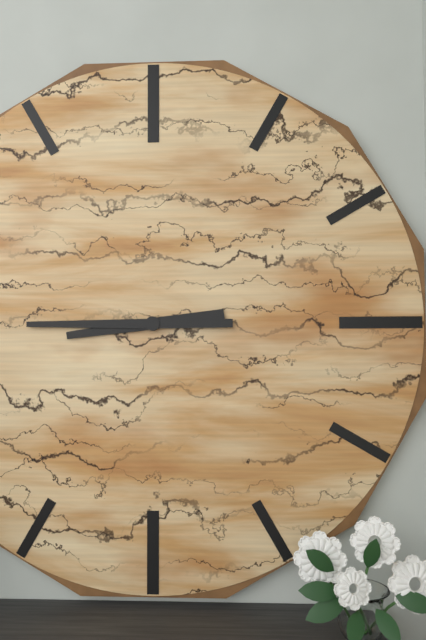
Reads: h=8 m=45
